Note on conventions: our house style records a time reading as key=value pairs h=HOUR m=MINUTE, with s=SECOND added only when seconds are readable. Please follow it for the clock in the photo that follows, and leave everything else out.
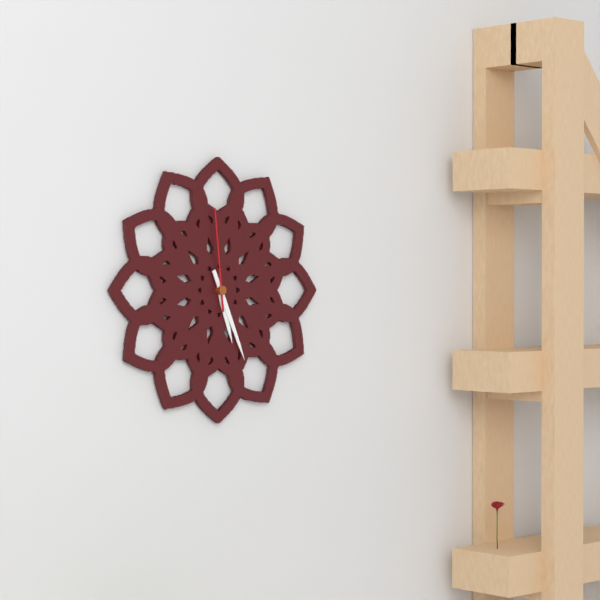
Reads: h=5 m=26 s=59
